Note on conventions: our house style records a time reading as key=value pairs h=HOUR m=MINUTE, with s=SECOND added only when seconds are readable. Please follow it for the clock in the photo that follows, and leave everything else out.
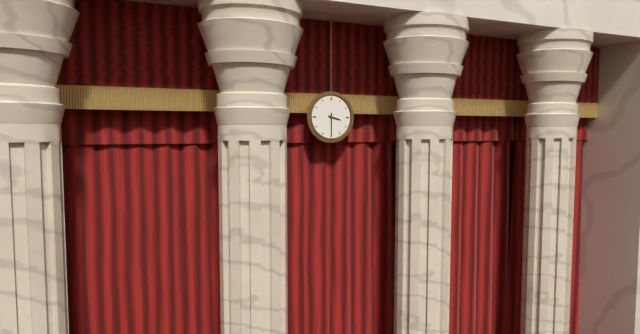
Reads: h=3 m=30
